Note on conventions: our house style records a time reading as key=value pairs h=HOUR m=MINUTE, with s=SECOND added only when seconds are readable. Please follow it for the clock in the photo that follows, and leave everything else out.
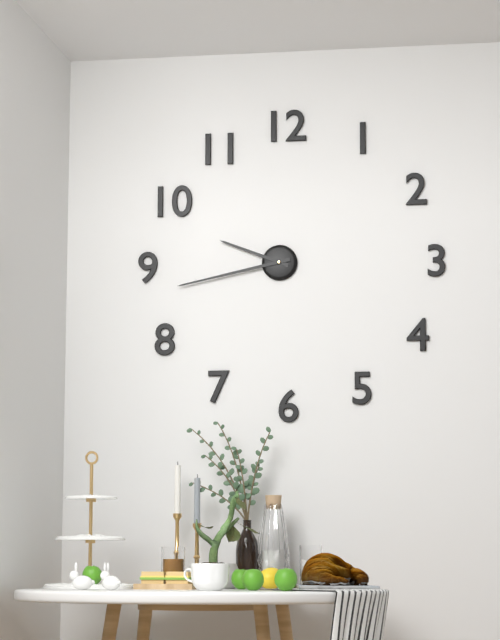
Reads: h=9 m=43
